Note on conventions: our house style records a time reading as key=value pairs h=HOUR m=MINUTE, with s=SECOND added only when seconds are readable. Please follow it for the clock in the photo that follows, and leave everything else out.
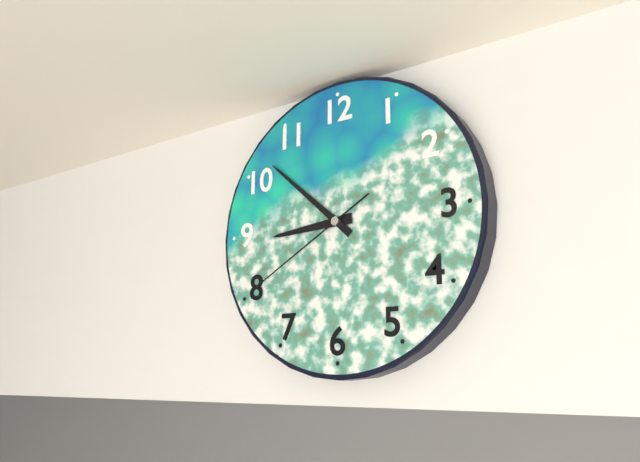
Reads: h=8 m=52 s=40
